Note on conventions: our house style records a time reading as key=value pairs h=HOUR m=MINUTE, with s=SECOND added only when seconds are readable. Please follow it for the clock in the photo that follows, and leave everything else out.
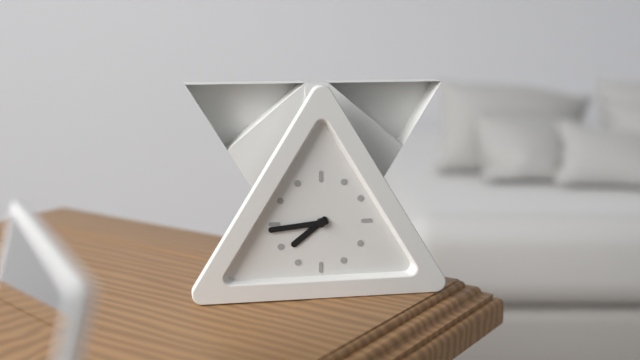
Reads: h=7 m=44
